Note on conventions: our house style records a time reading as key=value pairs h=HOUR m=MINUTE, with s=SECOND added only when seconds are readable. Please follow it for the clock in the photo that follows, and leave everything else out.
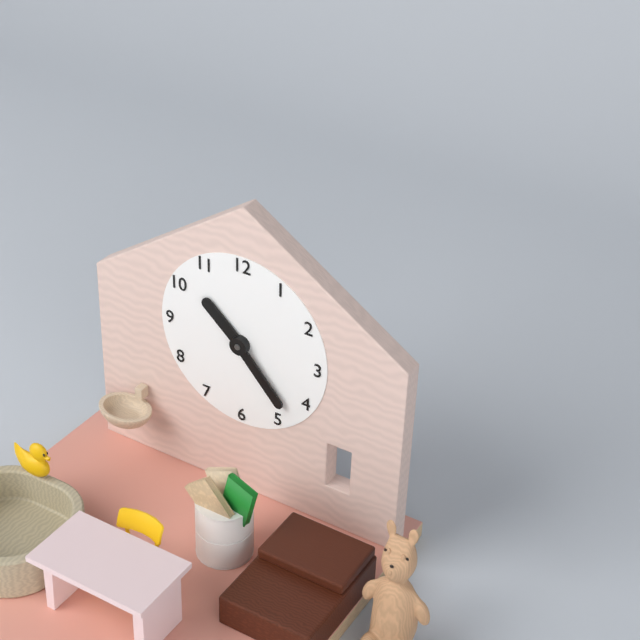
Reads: h=10 m=23
